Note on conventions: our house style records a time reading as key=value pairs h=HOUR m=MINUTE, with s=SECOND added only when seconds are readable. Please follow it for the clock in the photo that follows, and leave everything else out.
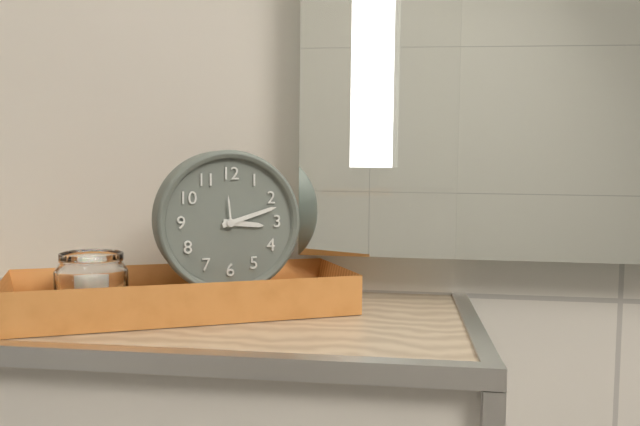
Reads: h=3 m=12
